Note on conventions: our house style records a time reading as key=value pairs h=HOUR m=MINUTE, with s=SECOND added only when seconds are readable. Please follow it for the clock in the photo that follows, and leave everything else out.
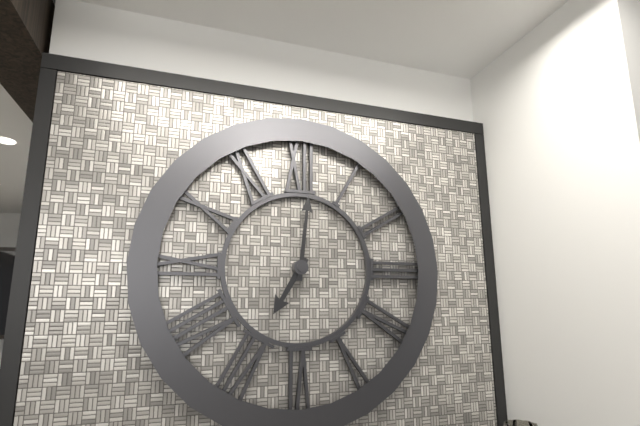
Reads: h=7 m=1
